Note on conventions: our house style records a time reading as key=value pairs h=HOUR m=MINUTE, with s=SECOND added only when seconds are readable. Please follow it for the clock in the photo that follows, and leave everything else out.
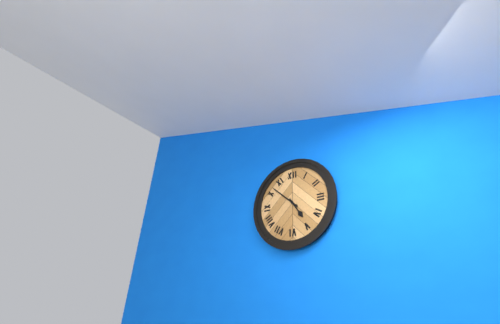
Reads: h=4 m=52
